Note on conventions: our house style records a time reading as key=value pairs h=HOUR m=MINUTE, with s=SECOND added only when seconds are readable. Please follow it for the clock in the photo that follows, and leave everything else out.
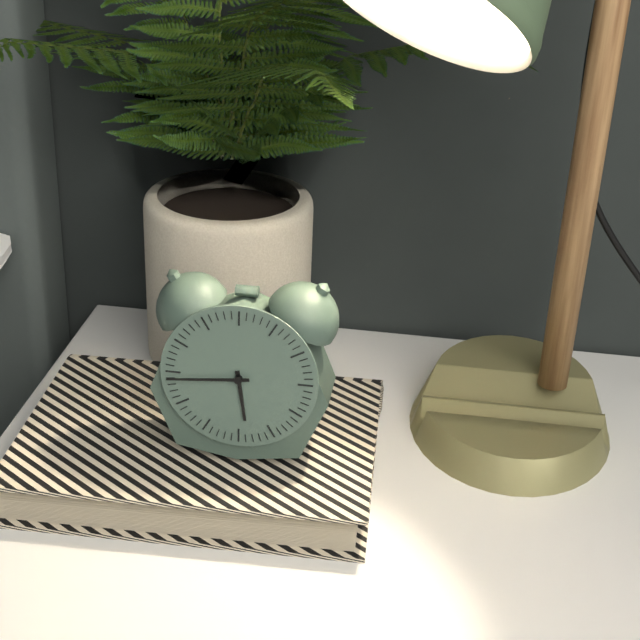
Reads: h=5 m=44
